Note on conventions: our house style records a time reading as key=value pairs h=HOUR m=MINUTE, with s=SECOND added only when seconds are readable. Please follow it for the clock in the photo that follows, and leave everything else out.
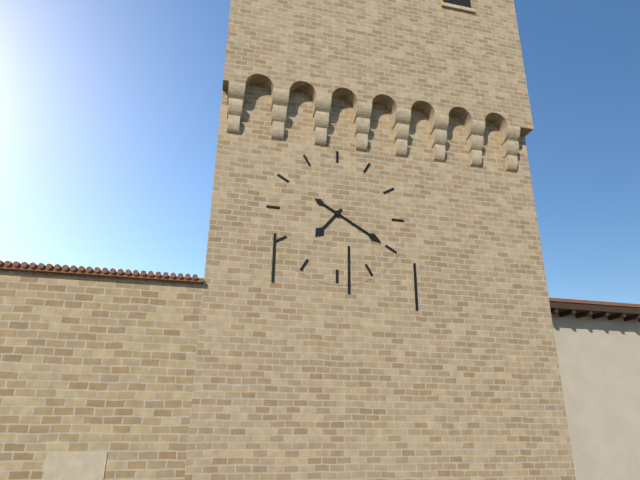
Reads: h=7 m=20
